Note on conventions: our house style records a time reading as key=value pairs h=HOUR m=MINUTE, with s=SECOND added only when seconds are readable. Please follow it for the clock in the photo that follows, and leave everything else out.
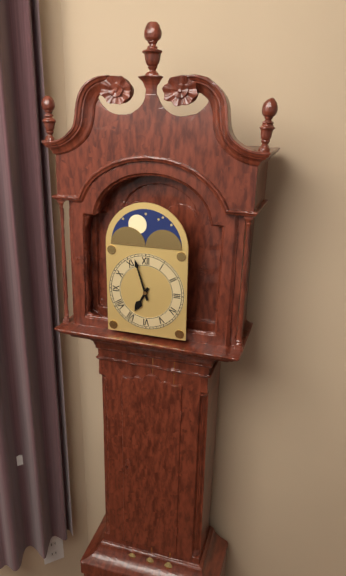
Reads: h=6 m=57
